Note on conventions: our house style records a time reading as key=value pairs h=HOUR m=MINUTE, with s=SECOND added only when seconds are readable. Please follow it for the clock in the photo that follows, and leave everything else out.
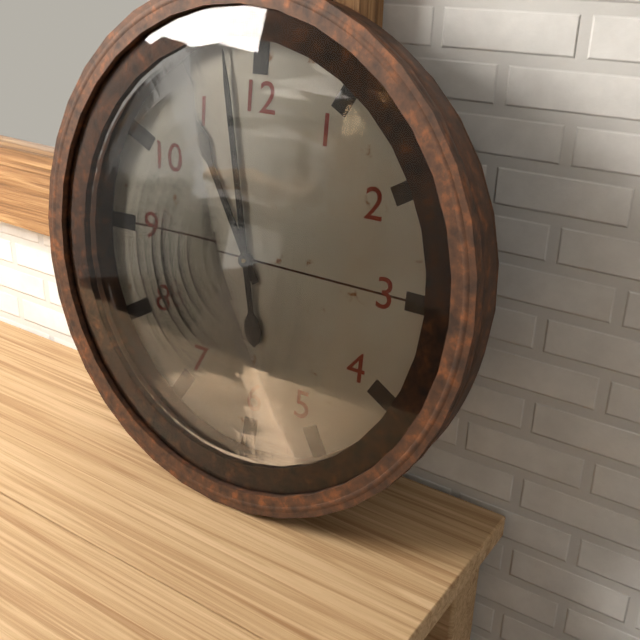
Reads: h=10 m=58
